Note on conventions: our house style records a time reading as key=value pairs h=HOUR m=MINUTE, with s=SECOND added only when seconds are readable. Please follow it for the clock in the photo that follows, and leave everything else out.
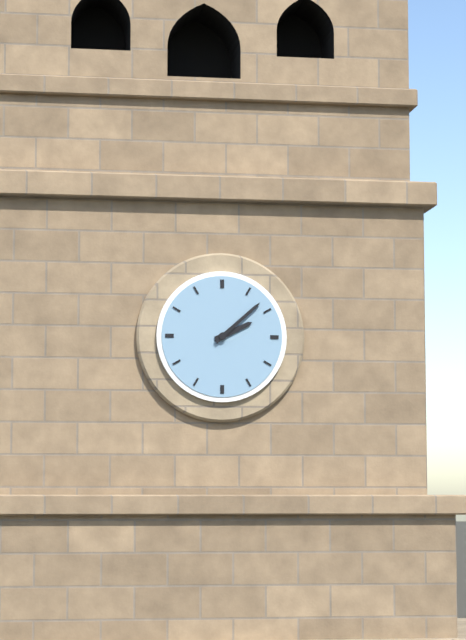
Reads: h=2 m=8
